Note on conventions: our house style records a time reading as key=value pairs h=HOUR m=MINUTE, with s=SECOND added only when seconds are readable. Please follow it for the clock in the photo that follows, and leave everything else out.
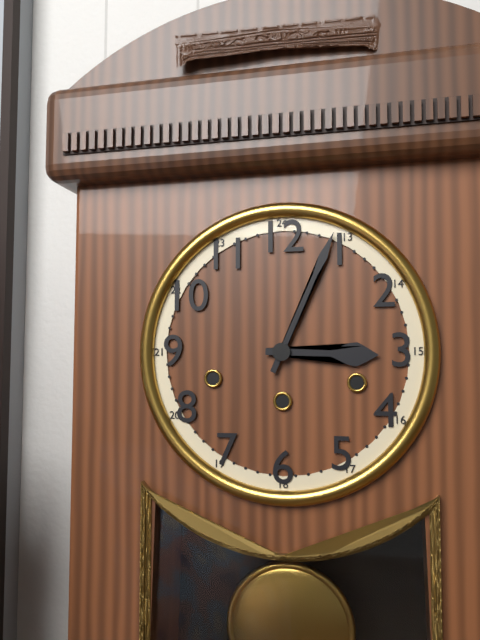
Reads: h=3 m=4
